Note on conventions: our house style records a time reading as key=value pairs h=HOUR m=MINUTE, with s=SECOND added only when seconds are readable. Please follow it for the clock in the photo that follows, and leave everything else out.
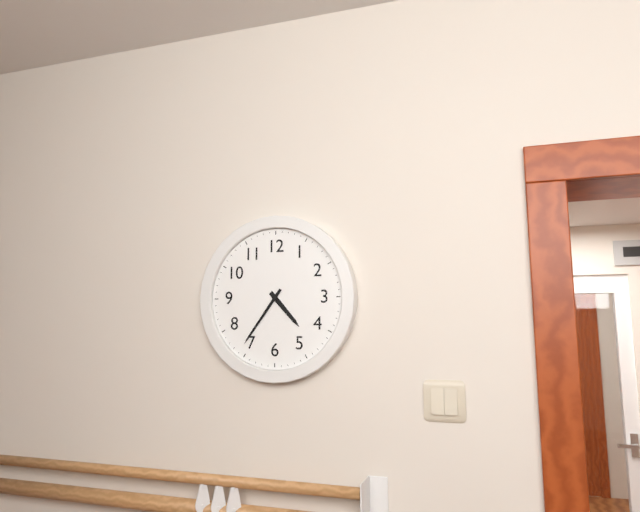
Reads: h=4 m=36
